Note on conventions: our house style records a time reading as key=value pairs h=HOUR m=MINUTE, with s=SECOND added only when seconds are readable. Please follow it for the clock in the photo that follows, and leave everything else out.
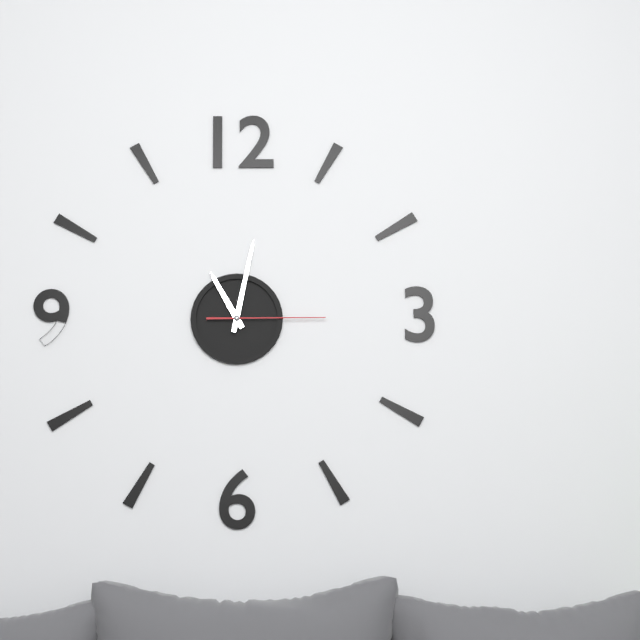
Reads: h=11 m=2 s=15
